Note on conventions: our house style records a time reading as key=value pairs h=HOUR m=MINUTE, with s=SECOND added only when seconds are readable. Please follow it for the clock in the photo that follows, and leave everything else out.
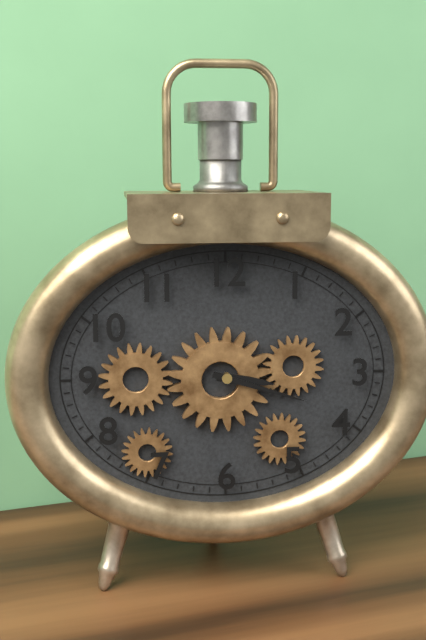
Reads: h=3 m=18
